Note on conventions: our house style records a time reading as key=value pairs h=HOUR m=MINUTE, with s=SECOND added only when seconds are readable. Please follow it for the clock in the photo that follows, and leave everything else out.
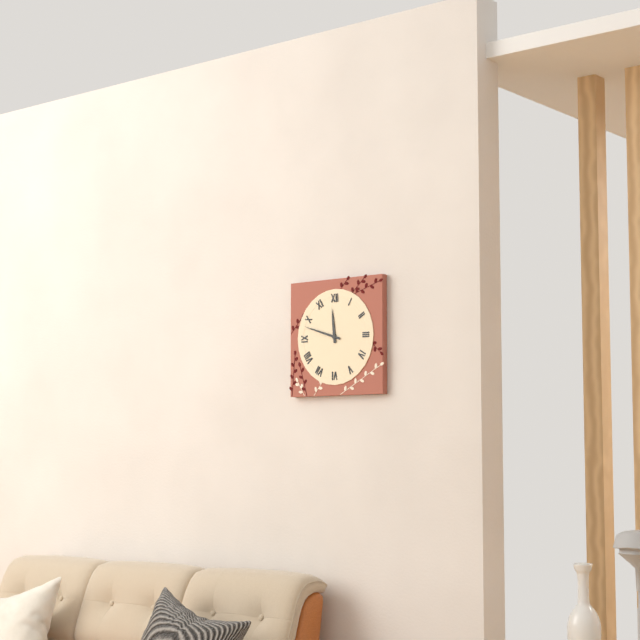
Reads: h=11 m=48
